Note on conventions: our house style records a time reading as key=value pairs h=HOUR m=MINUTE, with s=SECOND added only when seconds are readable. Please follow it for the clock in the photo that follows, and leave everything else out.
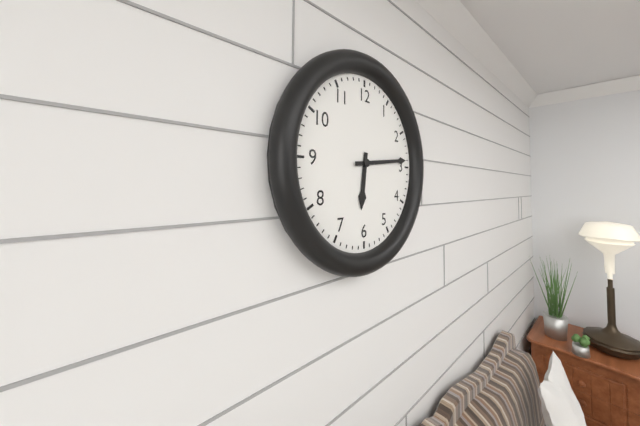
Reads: h=6 m=14
